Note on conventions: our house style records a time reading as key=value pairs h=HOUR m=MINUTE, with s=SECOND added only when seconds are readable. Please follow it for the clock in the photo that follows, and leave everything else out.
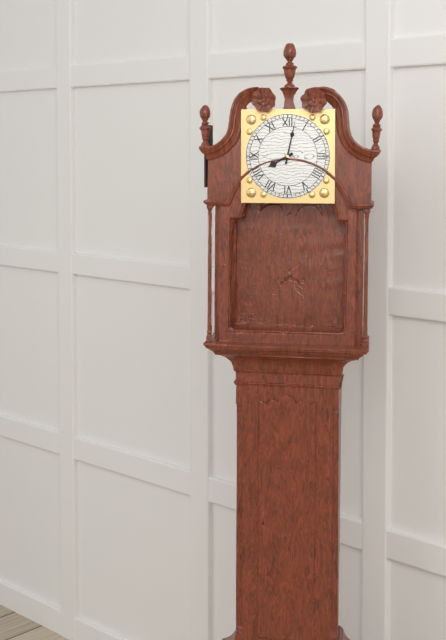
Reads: h=8 m=2
